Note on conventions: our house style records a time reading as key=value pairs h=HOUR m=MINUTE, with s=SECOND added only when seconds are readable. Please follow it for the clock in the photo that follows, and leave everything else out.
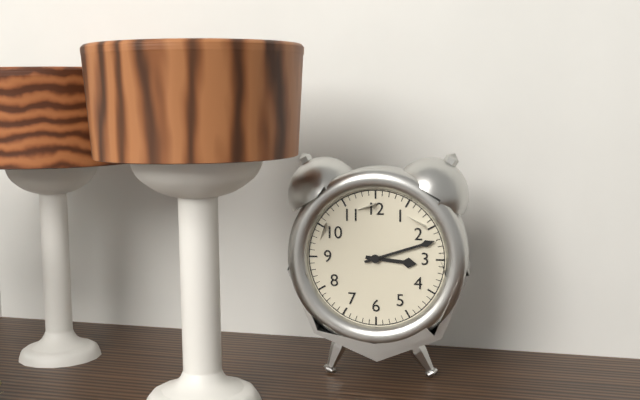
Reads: h=3 m=12
